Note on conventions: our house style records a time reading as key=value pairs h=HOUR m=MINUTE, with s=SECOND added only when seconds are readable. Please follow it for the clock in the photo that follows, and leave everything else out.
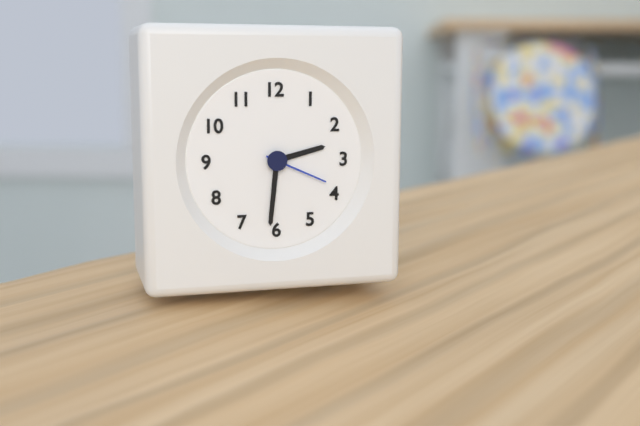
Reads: h=2 m=31 s=19
